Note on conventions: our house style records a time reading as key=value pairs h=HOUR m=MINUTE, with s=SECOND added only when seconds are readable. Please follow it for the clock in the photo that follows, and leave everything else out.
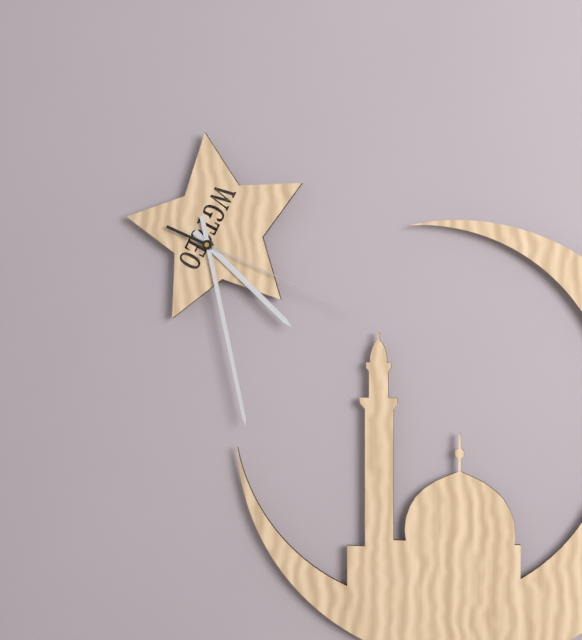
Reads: h=4 m=28 s=19
